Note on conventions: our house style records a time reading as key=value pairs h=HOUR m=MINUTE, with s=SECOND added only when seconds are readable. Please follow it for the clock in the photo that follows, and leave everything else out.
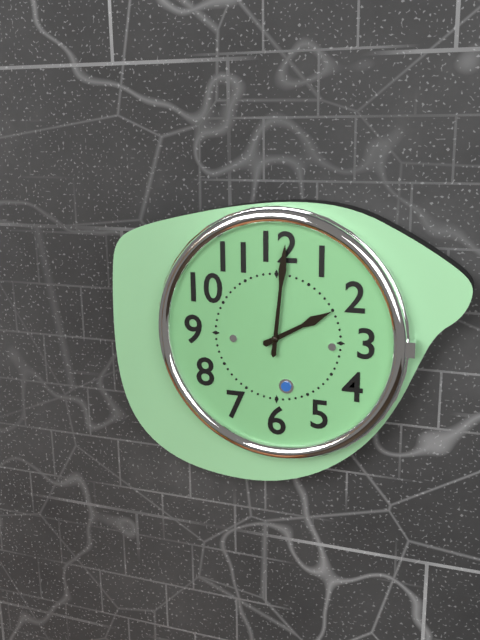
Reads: h=2 m=1
